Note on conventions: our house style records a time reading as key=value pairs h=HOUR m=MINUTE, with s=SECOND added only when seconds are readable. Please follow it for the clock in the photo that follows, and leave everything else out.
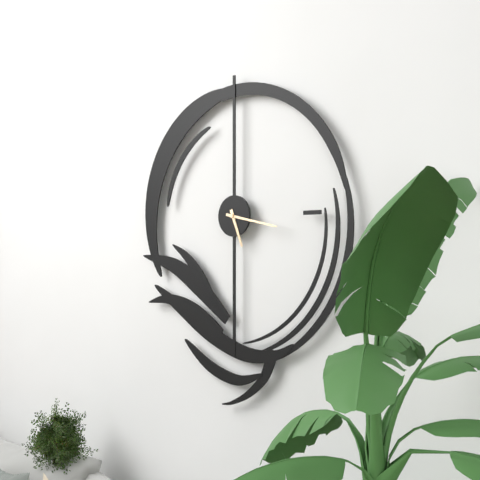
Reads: h=5 m=17
